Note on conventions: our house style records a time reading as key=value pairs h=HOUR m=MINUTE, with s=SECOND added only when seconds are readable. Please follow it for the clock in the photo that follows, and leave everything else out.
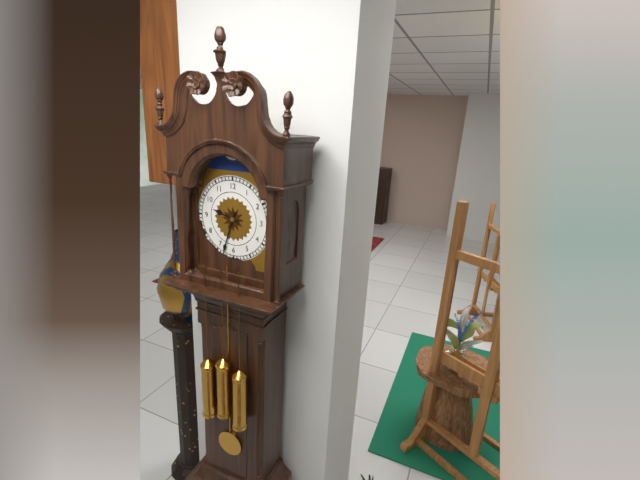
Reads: h=9 m=33
